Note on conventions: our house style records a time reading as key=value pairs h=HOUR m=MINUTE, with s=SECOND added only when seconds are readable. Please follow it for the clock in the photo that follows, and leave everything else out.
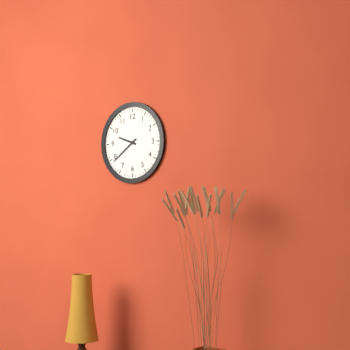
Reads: h=9 m=39
